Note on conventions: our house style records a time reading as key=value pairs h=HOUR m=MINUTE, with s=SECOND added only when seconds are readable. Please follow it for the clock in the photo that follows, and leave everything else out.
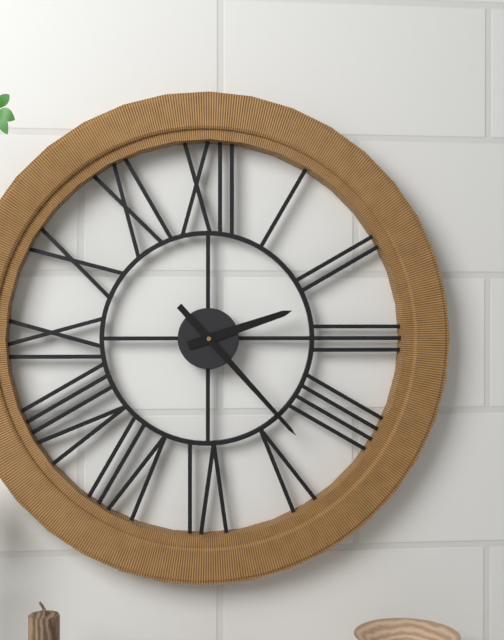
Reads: h=2 m=23
